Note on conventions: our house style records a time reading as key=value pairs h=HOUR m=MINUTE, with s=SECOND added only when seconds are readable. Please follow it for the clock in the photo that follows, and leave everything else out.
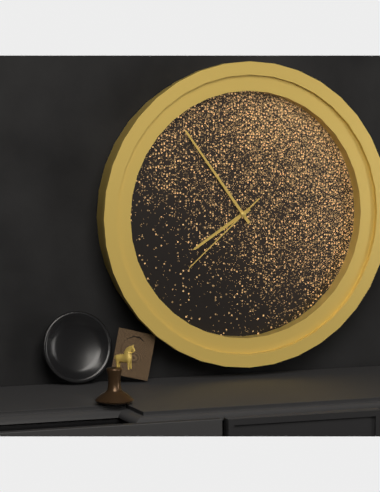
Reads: h=7 m=54 s=38
